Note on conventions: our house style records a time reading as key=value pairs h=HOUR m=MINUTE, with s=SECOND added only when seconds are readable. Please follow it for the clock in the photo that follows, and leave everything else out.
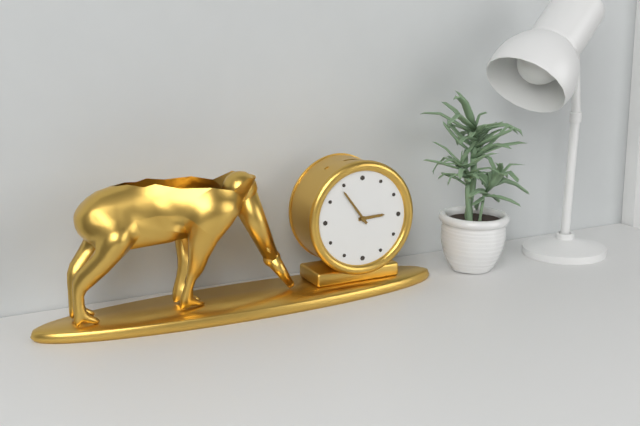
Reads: h=2 m=54
